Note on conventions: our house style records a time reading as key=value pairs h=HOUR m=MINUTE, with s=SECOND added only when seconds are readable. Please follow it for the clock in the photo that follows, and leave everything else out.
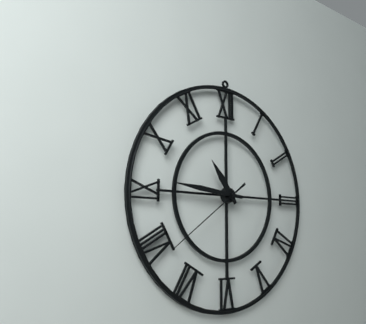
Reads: h=10 m=46 s=39
